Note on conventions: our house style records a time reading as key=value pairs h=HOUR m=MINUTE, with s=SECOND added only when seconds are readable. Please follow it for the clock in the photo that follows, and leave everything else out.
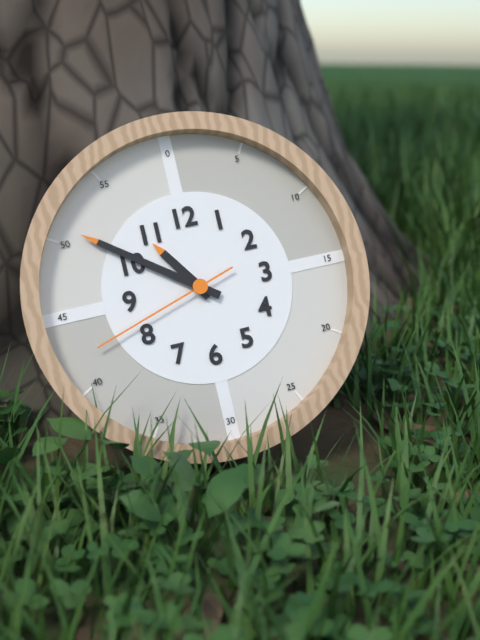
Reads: h=10 m=51 s=42
